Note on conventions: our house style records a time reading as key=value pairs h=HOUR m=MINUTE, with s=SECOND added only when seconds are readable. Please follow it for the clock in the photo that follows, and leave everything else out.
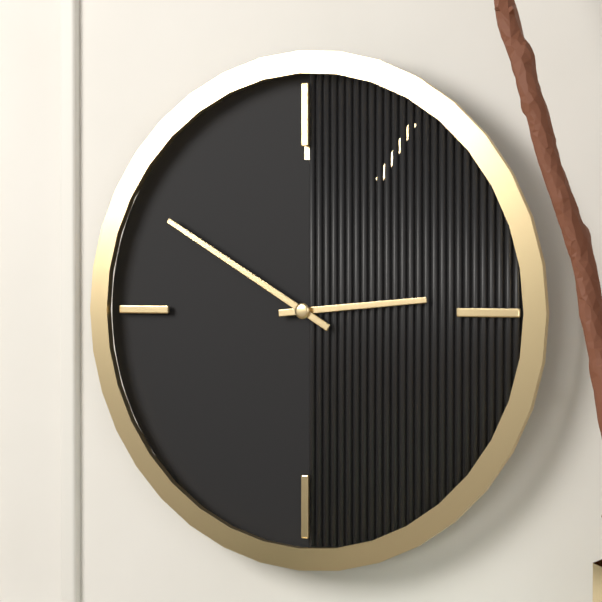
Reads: h=2 m=50
